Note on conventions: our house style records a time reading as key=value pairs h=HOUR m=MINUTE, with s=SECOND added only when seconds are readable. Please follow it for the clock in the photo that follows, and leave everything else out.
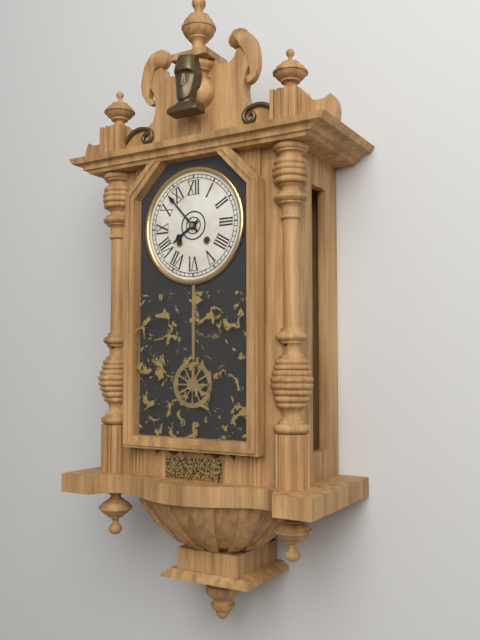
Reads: h=7 m=53
